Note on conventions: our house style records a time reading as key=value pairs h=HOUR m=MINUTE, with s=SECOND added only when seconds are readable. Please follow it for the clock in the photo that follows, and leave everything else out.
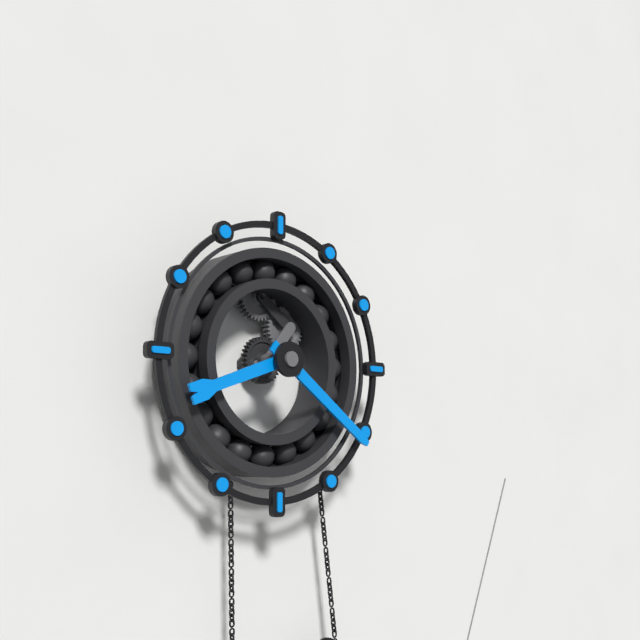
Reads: h=8 m=21
